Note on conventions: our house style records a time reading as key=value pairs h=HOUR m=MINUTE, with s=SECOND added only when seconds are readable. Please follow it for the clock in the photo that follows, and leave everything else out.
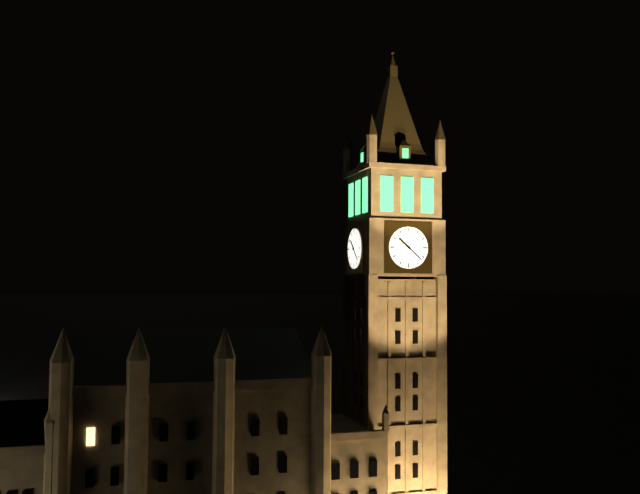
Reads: h=10 m=22
